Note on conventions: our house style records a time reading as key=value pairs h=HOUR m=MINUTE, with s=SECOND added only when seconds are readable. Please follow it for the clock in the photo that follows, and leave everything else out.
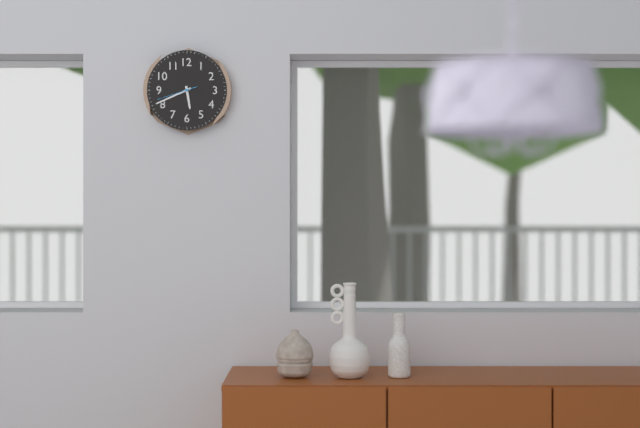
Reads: h=5 m=41
